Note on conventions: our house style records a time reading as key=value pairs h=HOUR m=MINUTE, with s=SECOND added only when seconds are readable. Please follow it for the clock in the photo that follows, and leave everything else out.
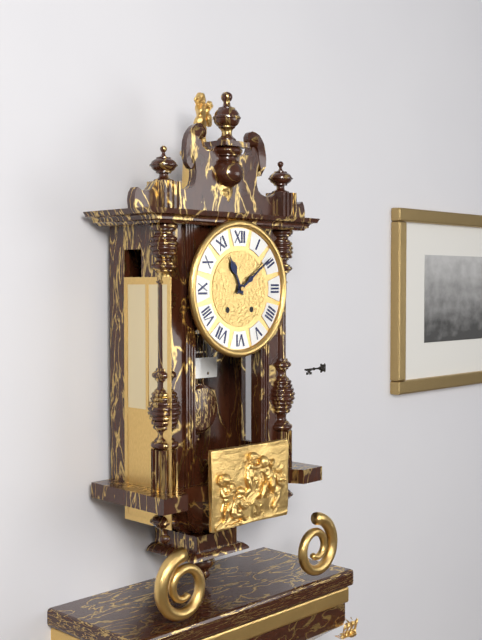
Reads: h=11 m=9
